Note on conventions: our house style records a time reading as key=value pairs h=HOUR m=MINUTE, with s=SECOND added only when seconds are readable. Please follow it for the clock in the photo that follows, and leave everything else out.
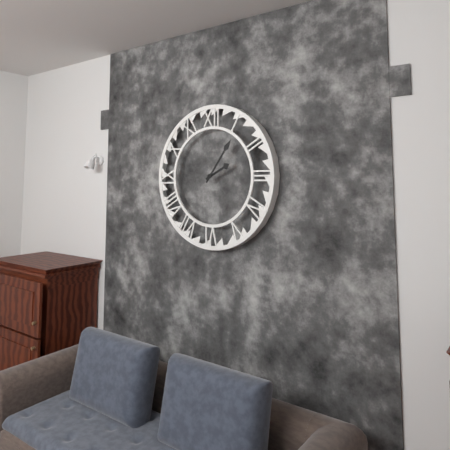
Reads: h=2 m=6
